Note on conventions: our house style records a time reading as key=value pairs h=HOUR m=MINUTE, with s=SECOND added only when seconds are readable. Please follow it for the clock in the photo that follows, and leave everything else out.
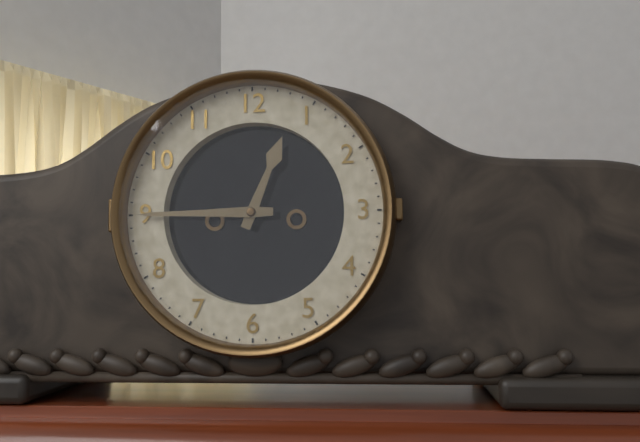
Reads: h=12 m=45
